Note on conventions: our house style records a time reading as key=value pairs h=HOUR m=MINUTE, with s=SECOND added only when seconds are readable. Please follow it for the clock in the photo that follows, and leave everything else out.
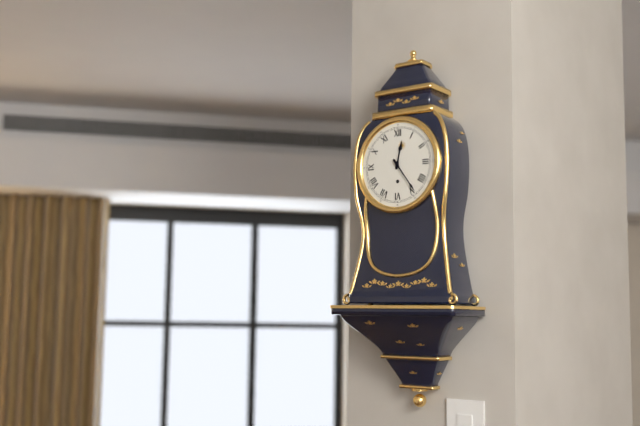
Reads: h=12 m=24
